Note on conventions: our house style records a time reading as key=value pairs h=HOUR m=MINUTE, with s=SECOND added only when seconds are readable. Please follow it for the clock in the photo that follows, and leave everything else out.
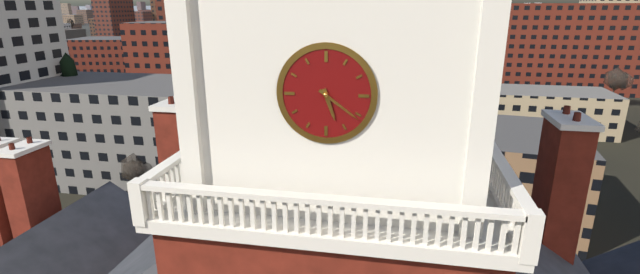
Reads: h=5 m=21
